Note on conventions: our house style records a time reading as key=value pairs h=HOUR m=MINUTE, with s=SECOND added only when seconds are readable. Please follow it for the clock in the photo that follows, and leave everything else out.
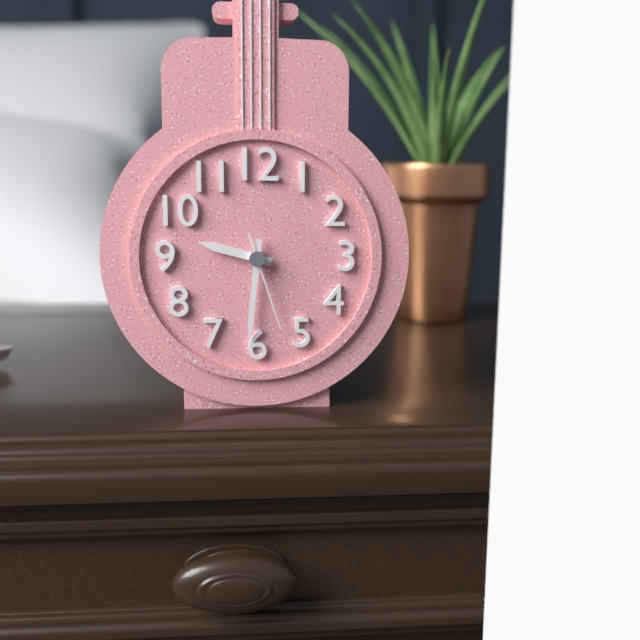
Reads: h=9 m=31 s=27
